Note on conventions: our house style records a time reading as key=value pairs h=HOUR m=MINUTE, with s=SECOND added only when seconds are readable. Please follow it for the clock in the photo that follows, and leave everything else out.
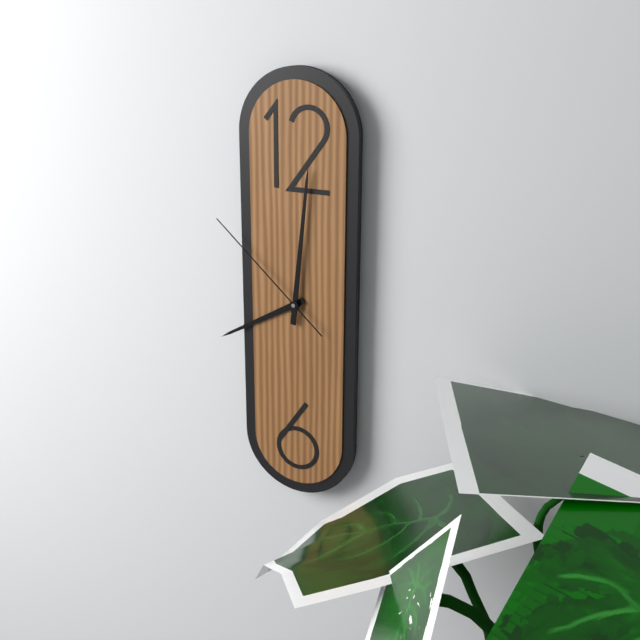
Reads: h=8 m=1 s=52
